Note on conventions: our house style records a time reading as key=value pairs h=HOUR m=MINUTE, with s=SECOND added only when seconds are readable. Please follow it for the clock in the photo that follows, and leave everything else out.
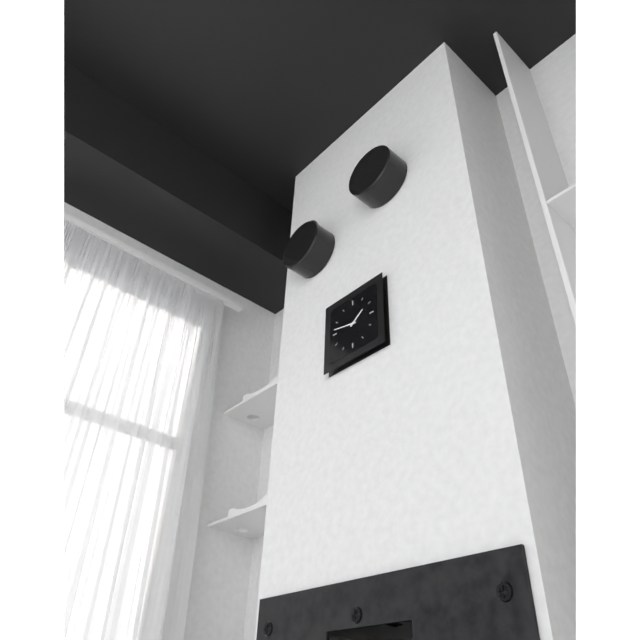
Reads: h=1 m=47
